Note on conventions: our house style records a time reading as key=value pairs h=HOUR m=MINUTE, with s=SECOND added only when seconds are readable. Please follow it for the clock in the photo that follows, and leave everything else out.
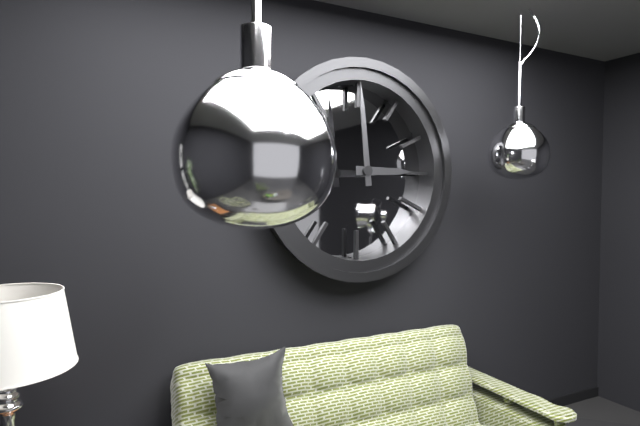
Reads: h=2 m=59
